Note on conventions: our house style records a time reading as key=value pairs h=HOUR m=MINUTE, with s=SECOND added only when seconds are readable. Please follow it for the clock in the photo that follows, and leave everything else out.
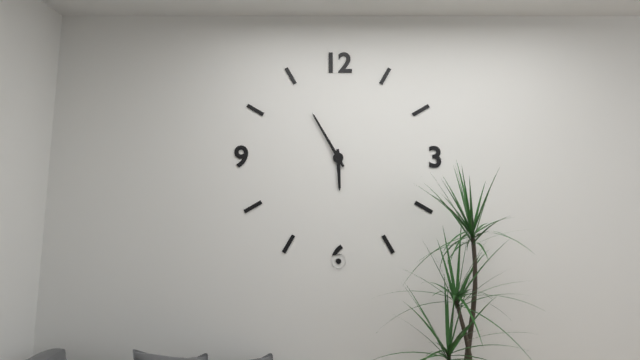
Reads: h=5 m=55
